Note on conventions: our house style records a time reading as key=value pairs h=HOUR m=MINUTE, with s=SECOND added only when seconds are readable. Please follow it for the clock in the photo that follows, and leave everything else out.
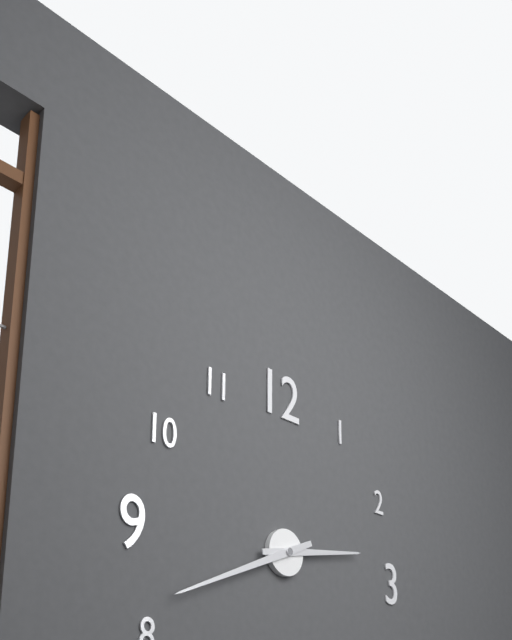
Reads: h=2 m=41
